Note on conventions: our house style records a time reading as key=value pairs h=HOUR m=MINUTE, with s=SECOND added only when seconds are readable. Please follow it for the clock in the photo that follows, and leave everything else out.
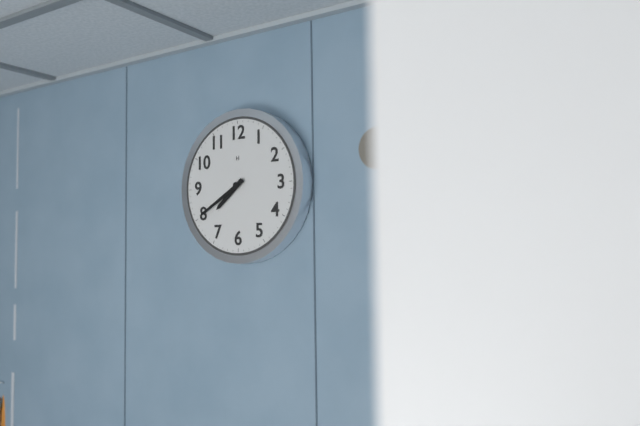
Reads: h=7 m=40
